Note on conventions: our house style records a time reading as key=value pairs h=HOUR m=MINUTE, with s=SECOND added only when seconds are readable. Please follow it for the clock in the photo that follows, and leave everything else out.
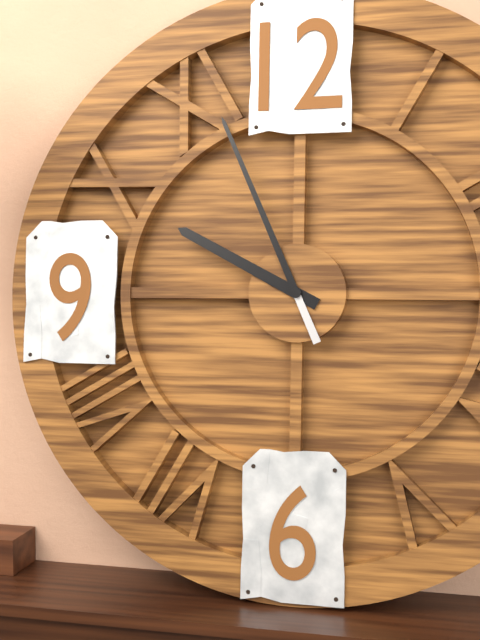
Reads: h=9 m=56
